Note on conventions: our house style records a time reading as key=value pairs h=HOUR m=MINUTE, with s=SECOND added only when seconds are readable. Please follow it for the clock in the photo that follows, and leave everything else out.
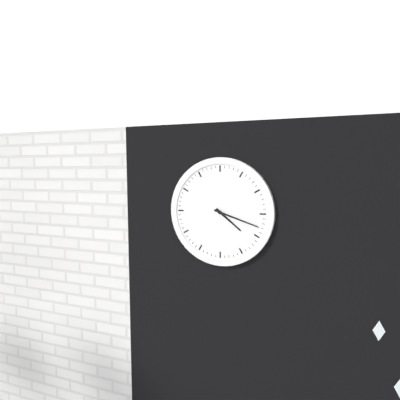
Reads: h=4 m=18
